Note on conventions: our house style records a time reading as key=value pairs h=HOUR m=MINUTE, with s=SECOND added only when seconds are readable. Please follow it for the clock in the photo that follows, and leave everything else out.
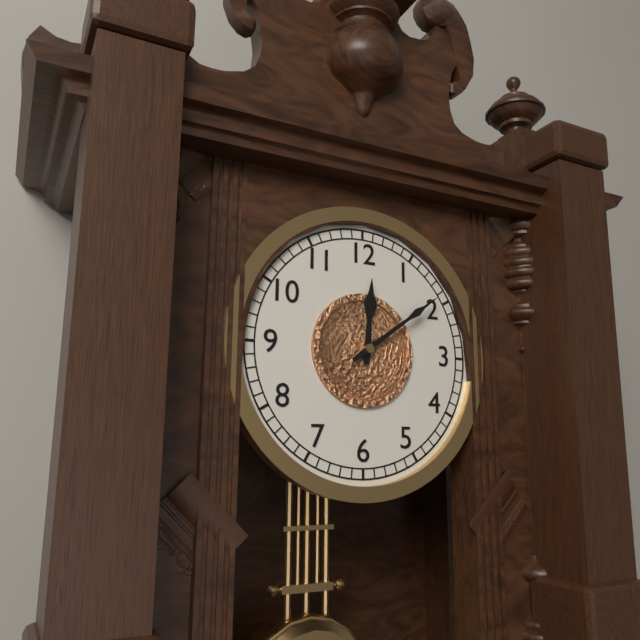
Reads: h=12 m=9
